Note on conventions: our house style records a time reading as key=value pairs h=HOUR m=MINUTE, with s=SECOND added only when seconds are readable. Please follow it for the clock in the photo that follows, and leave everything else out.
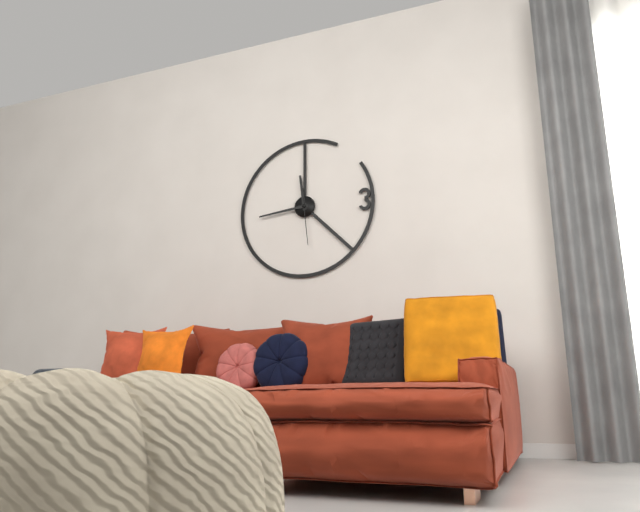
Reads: h=11 m=44
